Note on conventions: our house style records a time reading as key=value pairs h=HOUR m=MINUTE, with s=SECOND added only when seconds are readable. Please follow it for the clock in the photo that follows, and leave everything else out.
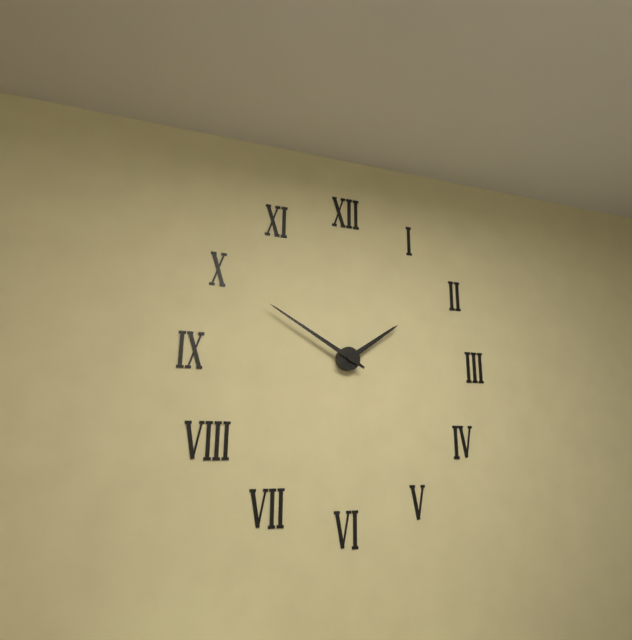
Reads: h=1 m=50
